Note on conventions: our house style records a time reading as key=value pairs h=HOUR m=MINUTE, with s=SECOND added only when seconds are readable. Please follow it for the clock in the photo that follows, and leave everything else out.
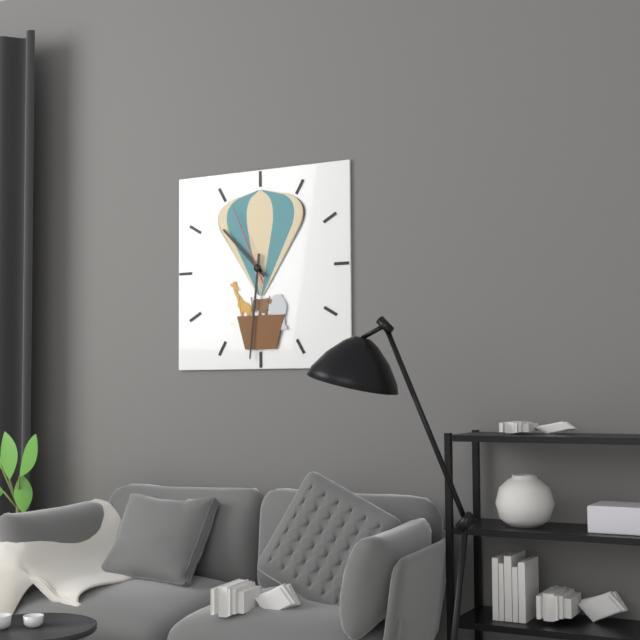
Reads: h=10 m=31 s=56
